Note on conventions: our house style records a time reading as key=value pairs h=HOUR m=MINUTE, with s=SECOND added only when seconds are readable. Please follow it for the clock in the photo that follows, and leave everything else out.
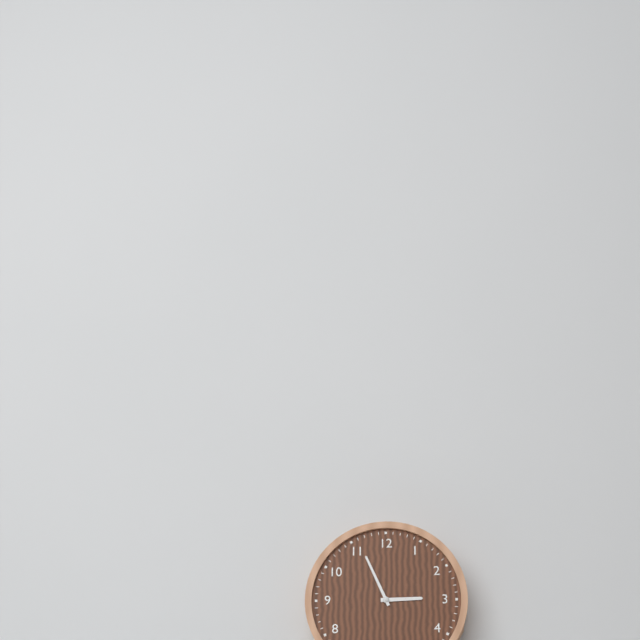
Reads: h=2 m=56
